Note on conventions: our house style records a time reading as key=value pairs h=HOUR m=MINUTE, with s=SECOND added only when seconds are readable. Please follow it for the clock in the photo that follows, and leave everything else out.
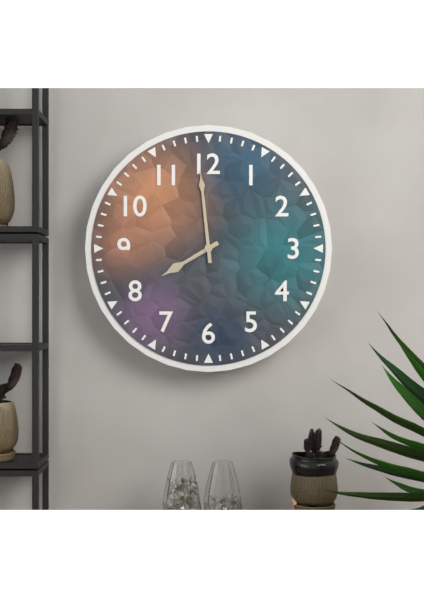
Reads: h=7 m=59
